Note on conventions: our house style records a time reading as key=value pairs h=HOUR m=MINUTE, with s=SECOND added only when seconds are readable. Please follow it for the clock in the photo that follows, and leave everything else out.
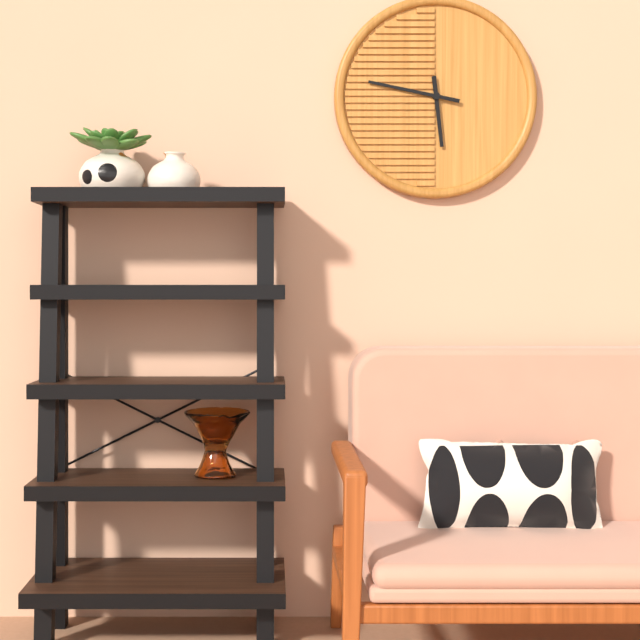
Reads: h=5 m=47
